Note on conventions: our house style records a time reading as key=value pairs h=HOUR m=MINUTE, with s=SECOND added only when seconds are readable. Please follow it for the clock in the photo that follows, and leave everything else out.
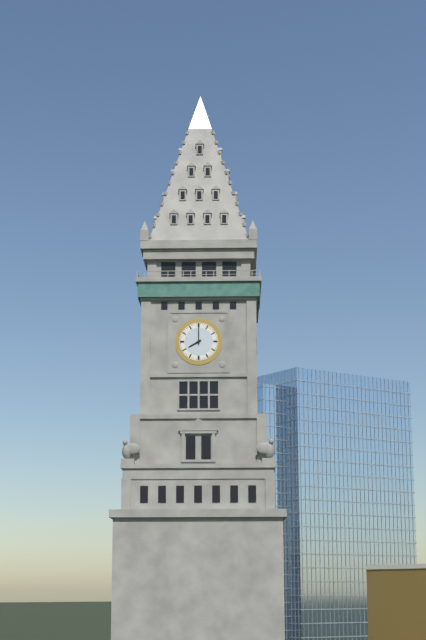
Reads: h=8 m=0
